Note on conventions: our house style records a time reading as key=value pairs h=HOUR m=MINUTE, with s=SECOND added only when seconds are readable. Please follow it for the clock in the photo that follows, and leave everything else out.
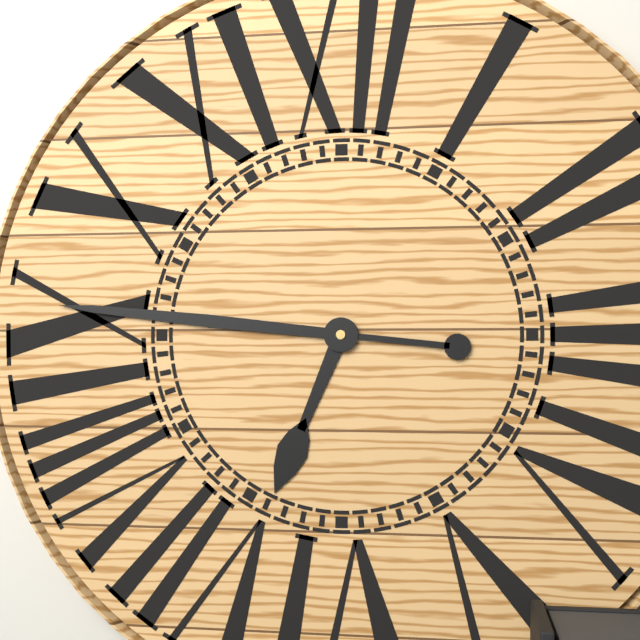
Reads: h=6 m=46
